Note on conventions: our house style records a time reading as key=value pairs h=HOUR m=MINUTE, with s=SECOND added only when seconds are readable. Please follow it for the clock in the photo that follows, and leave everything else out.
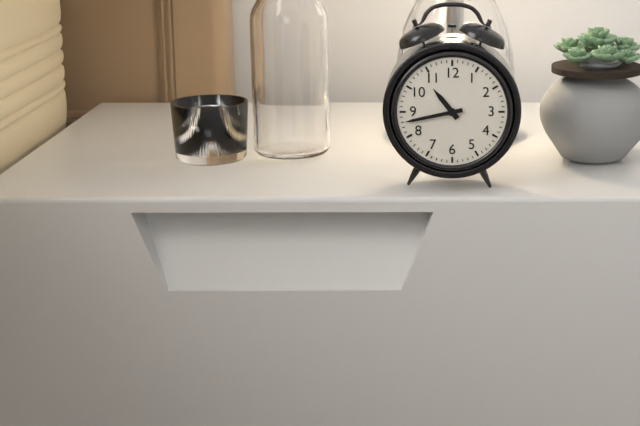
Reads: h=10 m=43
